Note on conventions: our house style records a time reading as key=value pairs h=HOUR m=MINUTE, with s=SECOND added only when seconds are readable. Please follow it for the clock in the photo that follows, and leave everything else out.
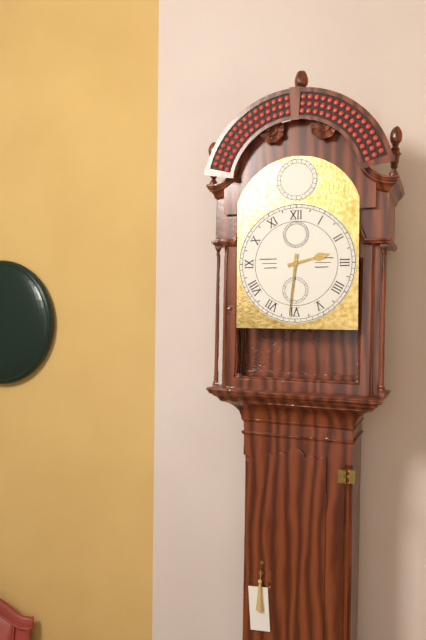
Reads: h=2 m=31
